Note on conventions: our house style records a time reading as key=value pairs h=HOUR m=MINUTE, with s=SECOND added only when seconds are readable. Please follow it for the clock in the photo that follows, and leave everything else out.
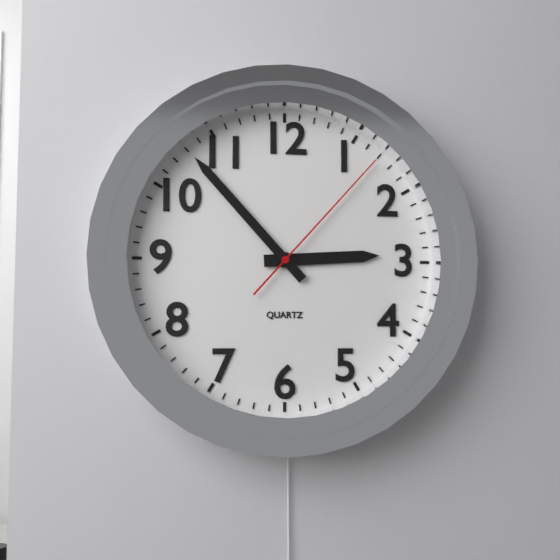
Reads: h=2 m=53 s=7
